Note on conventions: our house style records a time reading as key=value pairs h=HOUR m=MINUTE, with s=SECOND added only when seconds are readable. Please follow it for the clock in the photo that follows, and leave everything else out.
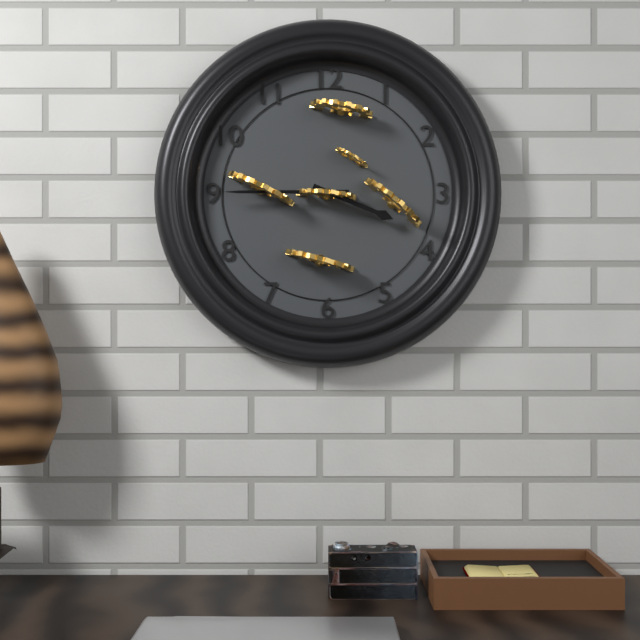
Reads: h=3 m=45
